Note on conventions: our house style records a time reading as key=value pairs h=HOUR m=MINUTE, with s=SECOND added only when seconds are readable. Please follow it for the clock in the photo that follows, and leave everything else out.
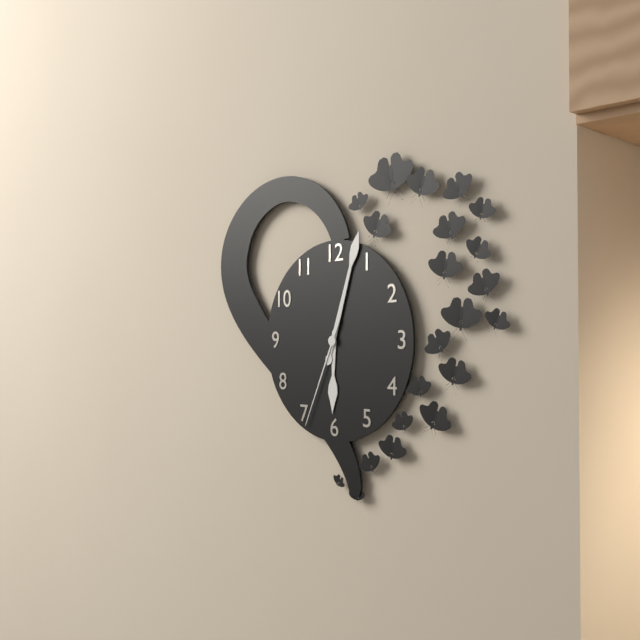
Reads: h=6 m=3 s=34
